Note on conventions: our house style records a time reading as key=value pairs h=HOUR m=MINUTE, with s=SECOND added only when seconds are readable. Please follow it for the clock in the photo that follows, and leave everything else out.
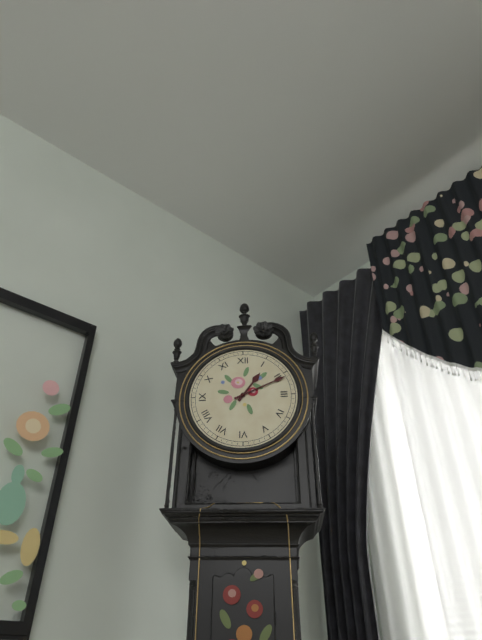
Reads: h=1 m=11
